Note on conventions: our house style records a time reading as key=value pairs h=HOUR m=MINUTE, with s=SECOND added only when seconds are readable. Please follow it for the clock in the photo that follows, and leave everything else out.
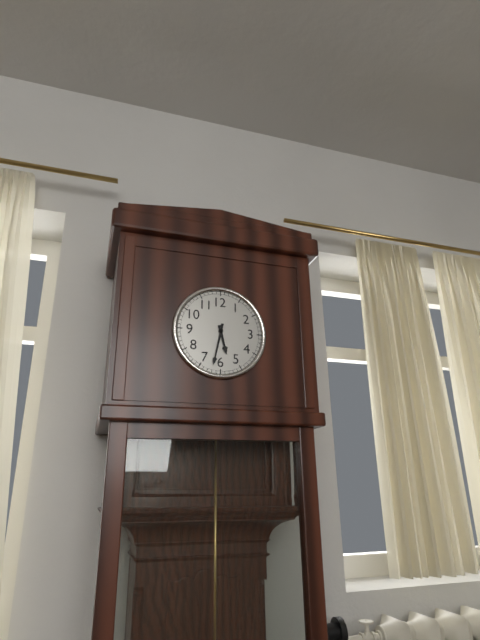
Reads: h=5 m=32
